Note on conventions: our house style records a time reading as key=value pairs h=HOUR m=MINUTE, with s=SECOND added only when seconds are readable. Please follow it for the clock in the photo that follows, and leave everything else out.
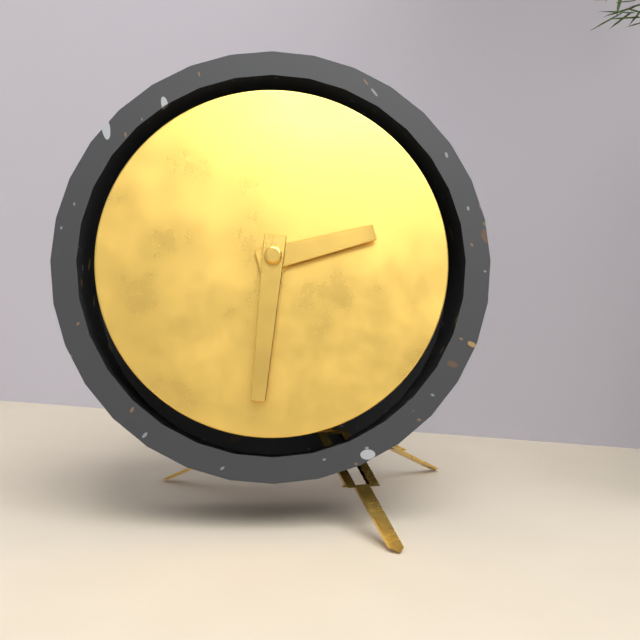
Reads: h=2 m=31
